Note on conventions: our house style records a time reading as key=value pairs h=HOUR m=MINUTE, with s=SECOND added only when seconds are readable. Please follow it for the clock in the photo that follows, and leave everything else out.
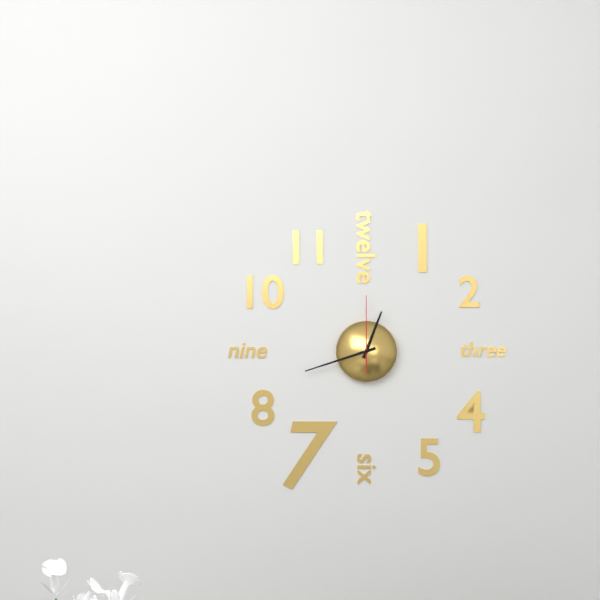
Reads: h=12 m=42 s=0
